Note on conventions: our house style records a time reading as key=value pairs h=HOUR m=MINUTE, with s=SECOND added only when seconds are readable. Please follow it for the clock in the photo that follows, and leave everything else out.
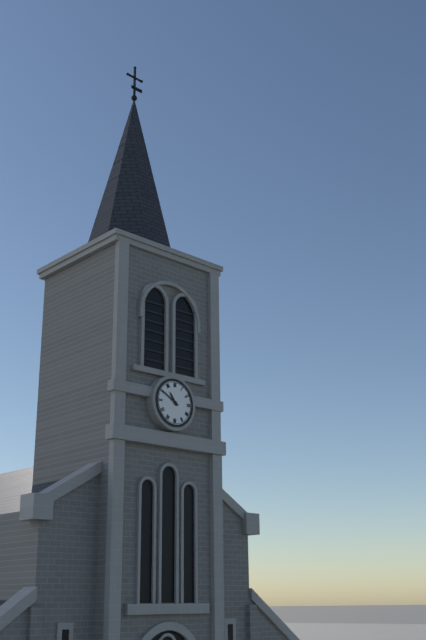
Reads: h=10 m=50
